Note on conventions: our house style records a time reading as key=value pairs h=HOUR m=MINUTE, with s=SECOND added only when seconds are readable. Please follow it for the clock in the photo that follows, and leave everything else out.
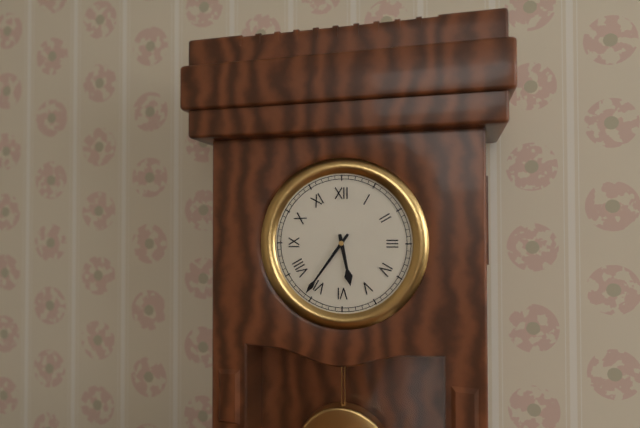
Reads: h=5 m=36
